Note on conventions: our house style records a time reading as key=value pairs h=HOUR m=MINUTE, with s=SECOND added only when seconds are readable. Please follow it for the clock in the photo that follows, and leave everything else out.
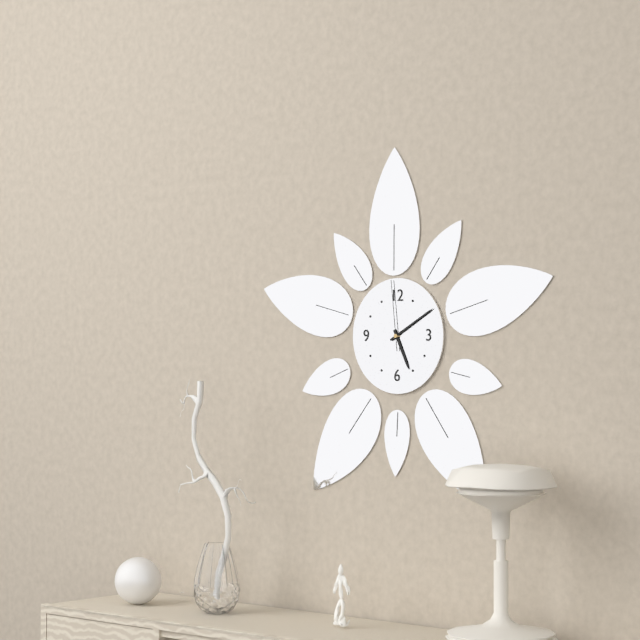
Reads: h=5 m=10 s=59
